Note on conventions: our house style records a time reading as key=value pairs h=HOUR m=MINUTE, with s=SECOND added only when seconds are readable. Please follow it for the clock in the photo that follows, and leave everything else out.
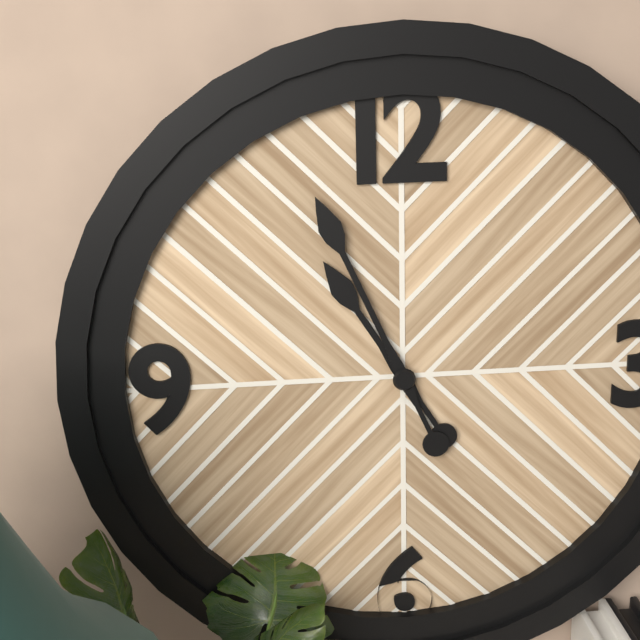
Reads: h=10 m=56
